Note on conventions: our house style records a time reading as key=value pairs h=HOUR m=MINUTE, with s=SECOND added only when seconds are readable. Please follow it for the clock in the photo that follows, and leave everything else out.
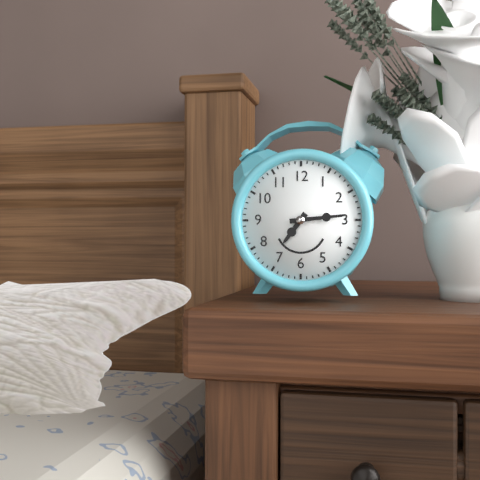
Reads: h=7 m=14
